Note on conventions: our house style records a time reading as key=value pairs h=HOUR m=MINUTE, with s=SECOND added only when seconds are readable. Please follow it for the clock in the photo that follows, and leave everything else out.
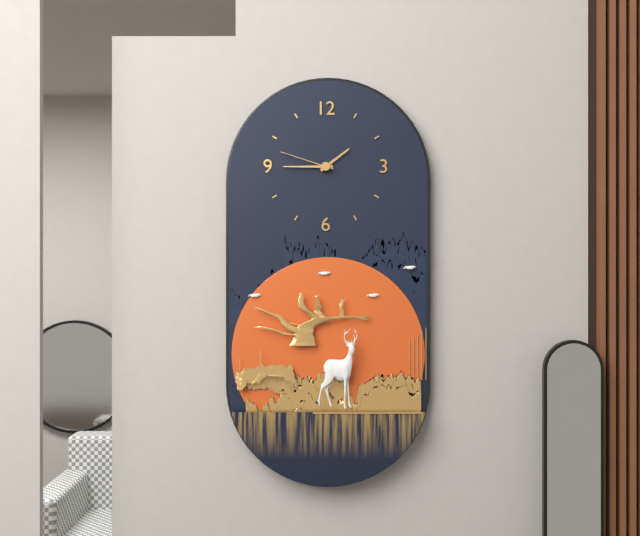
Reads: h=1 m=45 s=48
